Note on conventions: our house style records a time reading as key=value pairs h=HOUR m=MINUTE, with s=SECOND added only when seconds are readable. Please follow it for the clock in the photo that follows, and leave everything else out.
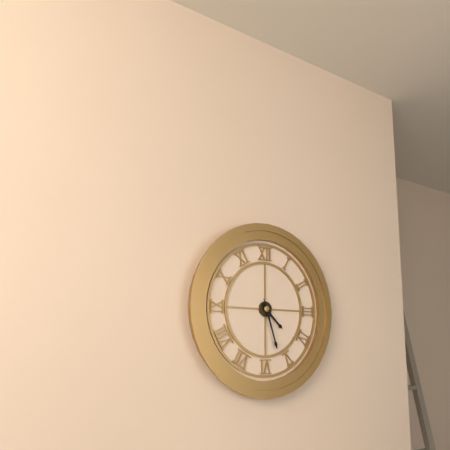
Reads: h=4 m=27
